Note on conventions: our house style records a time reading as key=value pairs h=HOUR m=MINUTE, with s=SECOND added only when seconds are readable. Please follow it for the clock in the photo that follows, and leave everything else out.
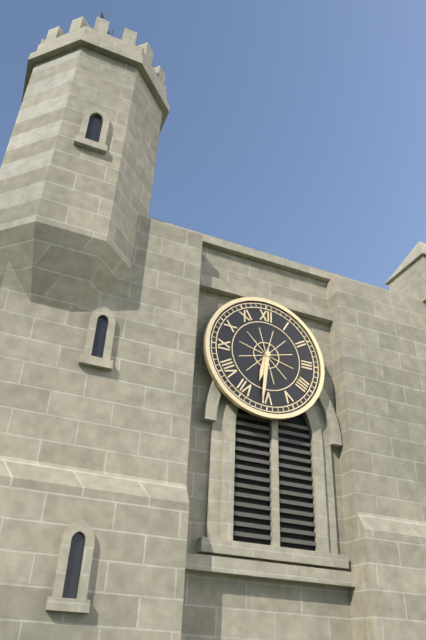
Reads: h=6 m=31
